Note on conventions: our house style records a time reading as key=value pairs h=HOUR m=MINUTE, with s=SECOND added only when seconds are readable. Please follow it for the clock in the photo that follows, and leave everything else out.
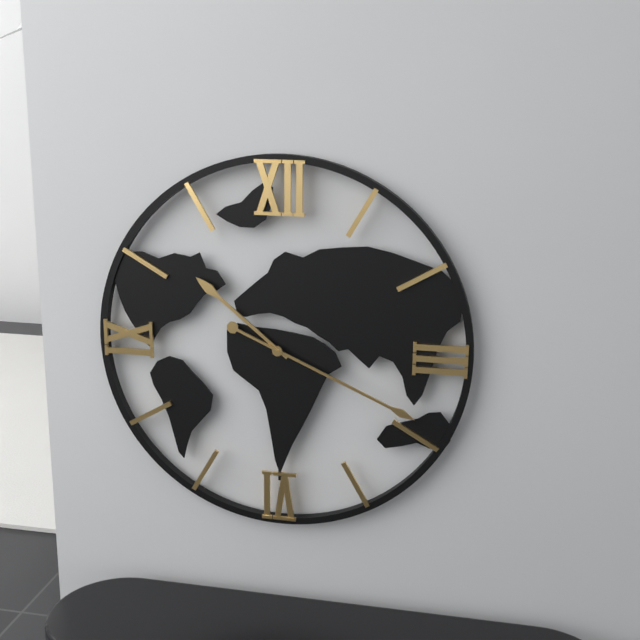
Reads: h=10 m=19
